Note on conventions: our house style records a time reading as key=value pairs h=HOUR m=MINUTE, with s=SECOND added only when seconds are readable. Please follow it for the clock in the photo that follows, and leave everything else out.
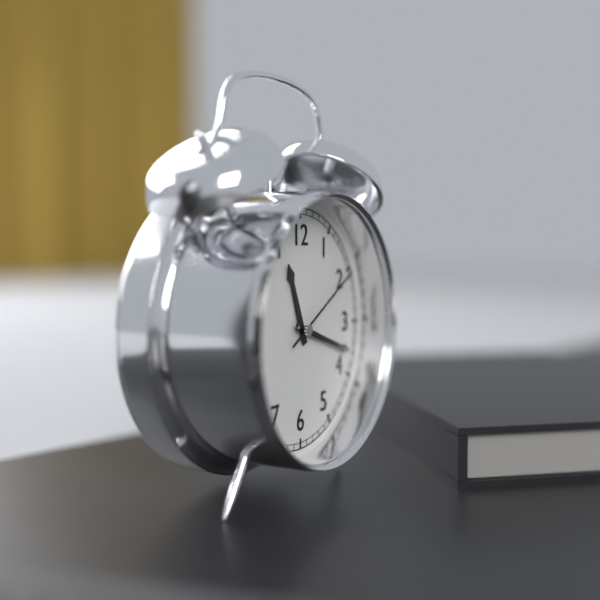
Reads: h=11 m=18 s=10
